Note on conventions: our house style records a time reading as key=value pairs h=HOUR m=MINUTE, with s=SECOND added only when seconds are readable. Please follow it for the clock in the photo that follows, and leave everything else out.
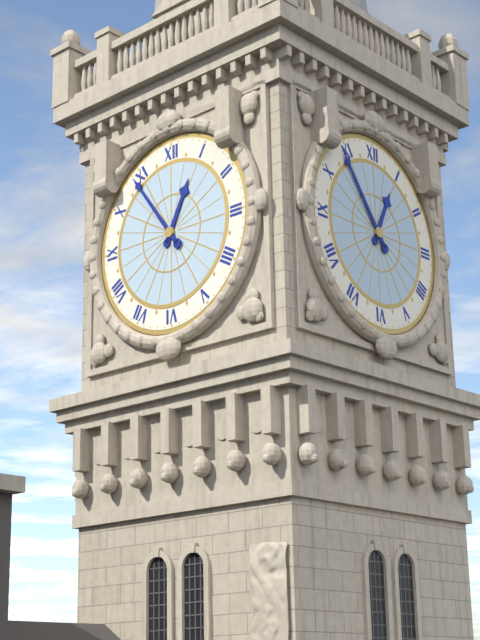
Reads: h=12 m=54
